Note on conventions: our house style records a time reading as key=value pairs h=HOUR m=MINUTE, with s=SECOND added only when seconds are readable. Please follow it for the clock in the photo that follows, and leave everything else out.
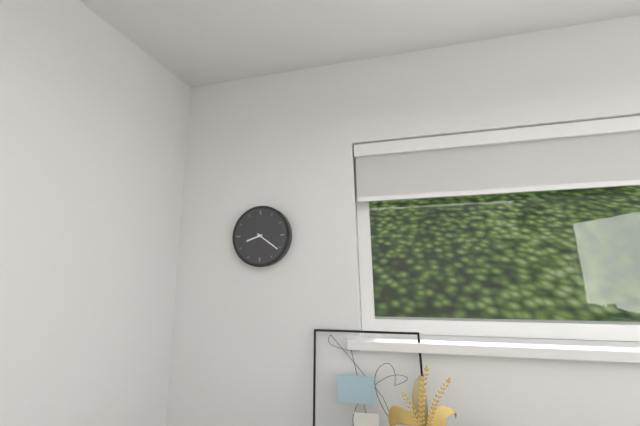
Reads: h=8 m=21
